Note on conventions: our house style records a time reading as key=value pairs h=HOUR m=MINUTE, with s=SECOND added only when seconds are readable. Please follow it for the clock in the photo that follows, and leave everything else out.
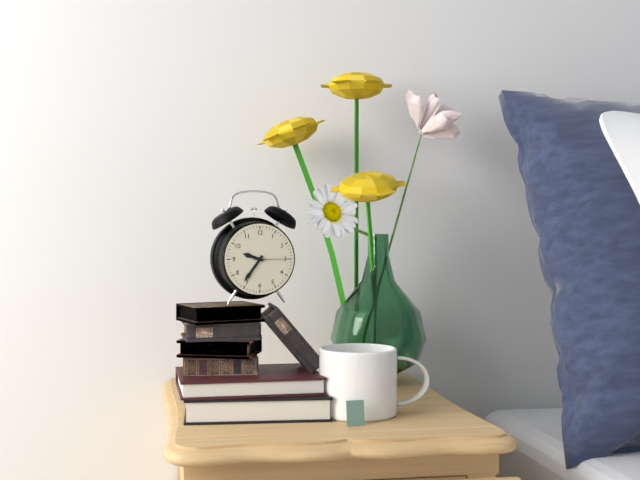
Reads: h=9 m=36
